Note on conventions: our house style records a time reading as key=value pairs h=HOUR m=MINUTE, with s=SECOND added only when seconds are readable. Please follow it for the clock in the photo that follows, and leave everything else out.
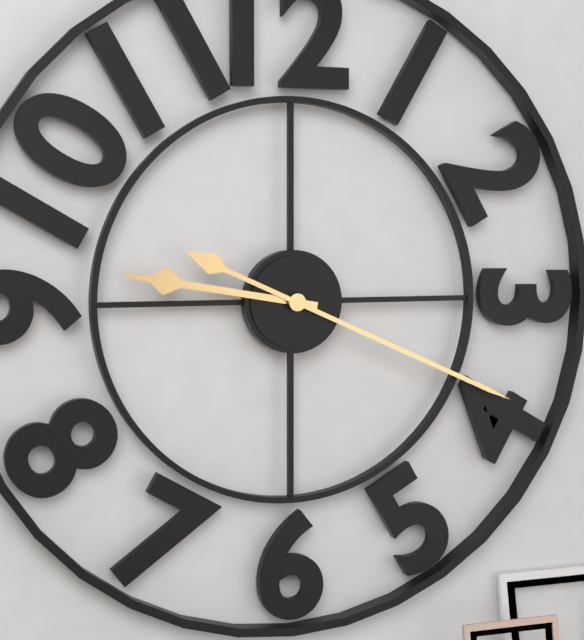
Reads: h=9 m=19
